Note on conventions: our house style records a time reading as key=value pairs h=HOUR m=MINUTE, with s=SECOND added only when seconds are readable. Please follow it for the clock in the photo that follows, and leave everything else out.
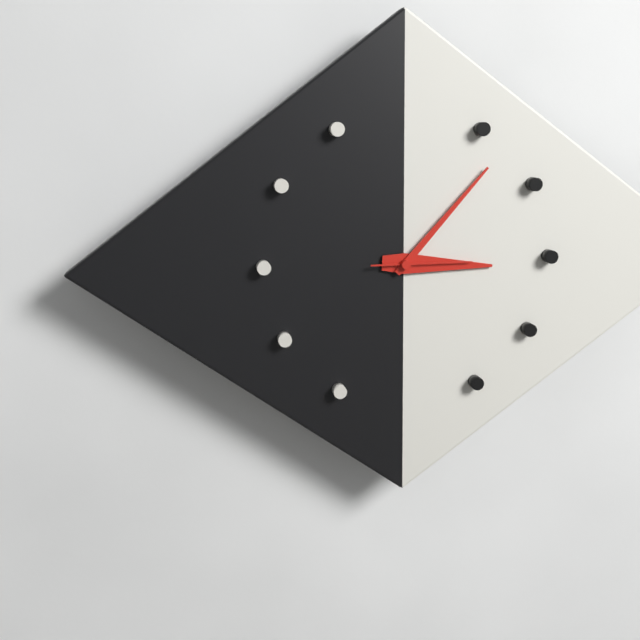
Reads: h=3 m=7 s=15
